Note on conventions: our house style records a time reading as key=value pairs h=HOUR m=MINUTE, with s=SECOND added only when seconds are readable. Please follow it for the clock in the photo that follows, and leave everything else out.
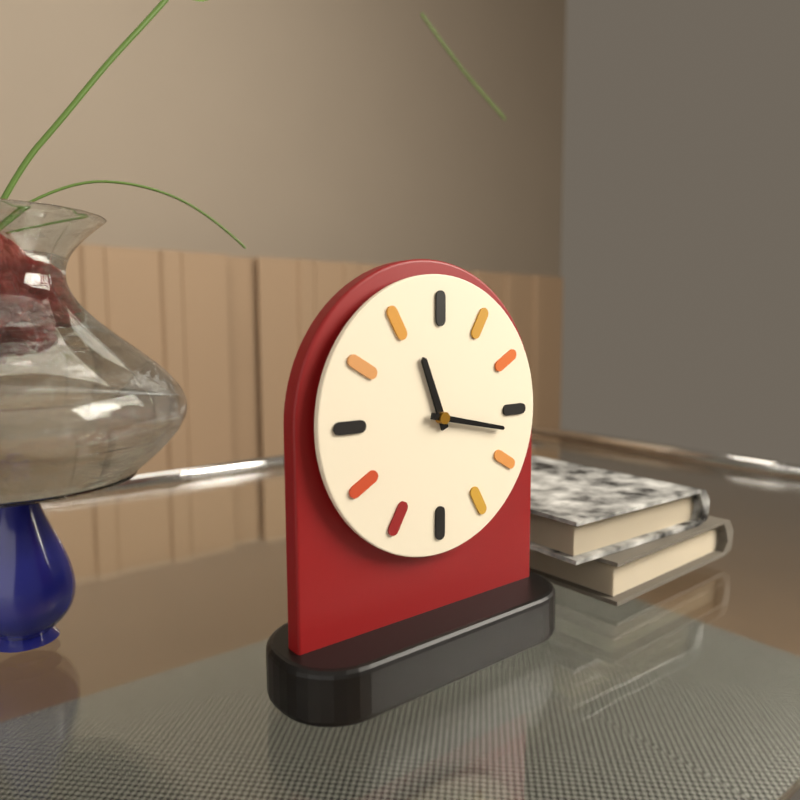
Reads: h=11 m=17
